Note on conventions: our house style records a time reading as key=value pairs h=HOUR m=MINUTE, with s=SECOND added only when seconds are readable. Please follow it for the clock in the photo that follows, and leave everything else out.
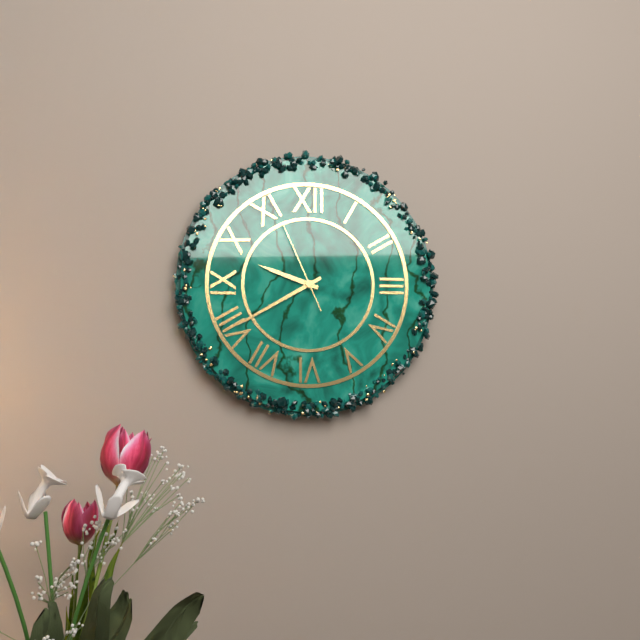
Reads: h=9 m=40 s=56
